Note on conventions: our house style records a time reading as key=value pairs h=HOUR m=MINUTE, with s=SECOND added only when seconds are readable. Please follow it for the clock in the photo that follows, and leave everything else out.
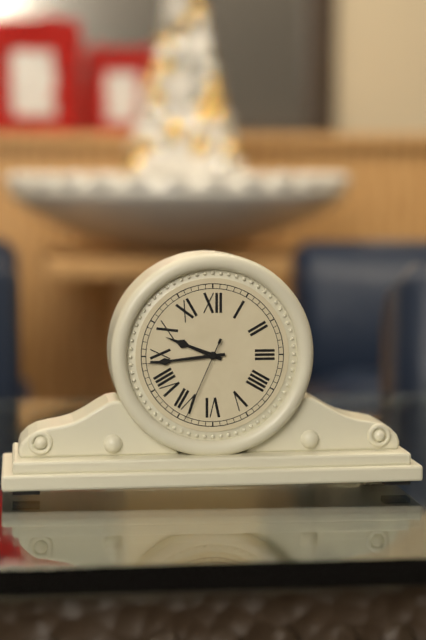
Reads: h=9 m=44 s=34
